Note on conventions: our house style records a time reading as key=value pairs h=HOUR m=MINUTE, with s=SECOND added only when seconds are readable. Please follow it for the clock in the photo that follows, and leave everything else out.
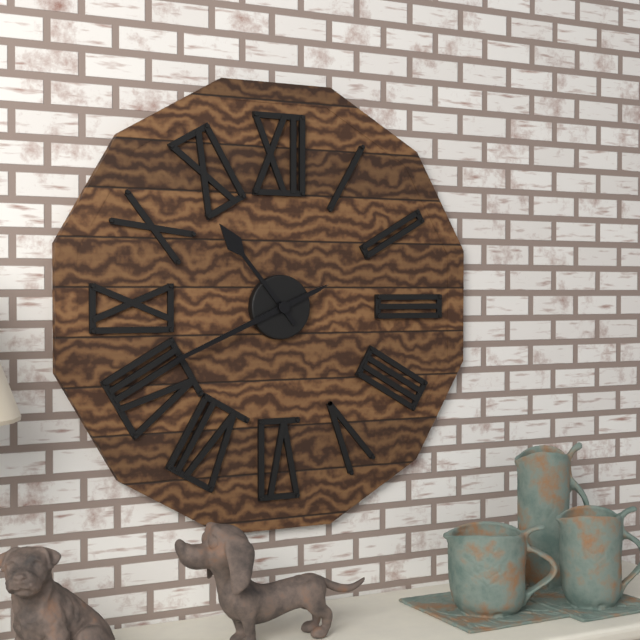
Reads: h=10 m=41
